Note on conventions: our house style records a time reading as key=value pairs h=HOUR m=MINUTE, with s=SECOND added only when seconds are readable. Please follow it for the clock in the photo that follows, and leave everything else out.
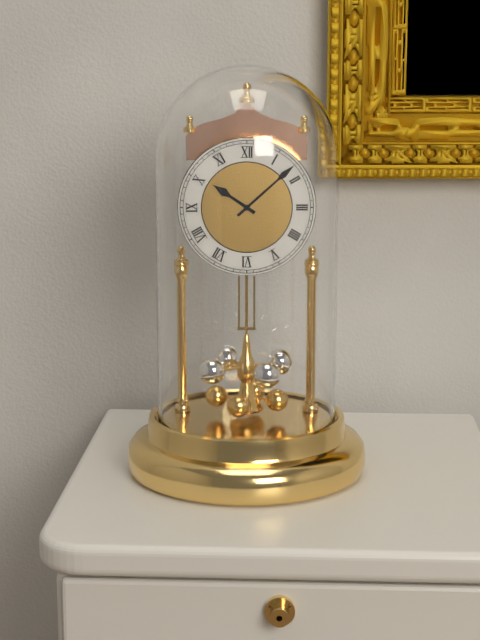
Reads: h=10 m=8
